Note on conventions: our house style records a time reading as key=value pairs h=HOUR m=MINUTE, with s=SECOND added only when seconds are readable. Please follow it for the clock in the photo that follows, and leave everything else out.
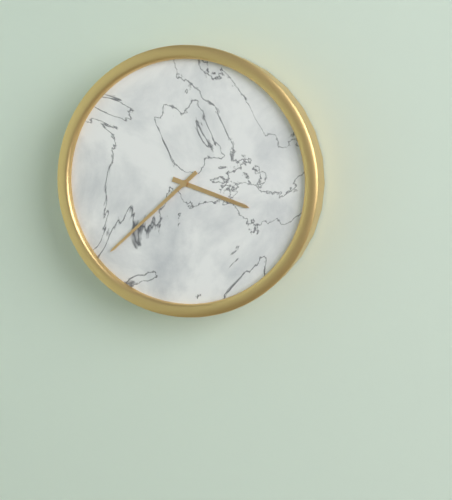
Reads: h=3 m=38
